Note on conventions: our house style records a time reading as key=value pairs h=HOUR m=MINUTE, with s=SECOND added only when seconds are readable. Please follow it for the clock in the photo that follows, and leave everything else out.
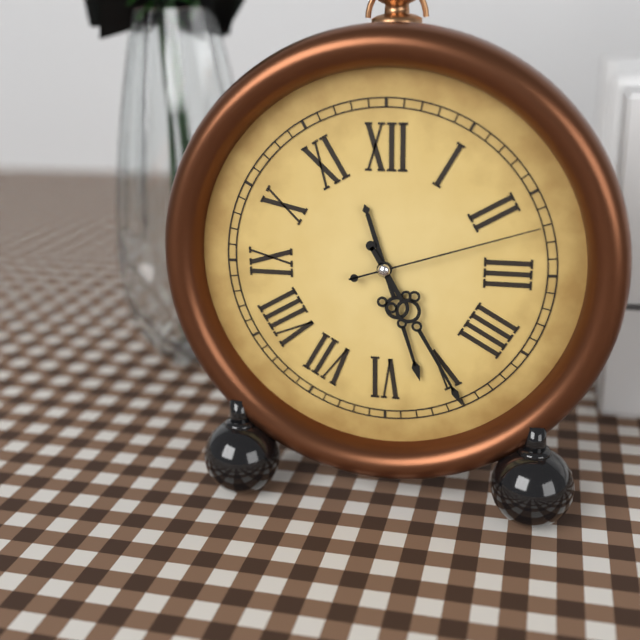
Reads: h=5 m=25 s=12
